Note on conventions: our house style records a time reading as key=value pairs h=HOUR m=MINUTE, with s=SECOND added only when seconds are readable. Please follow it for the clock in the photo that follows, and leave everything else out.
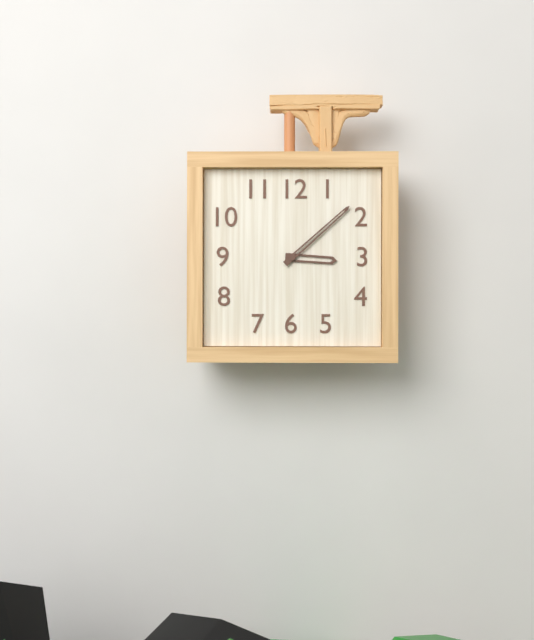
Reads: h=3 m=8
